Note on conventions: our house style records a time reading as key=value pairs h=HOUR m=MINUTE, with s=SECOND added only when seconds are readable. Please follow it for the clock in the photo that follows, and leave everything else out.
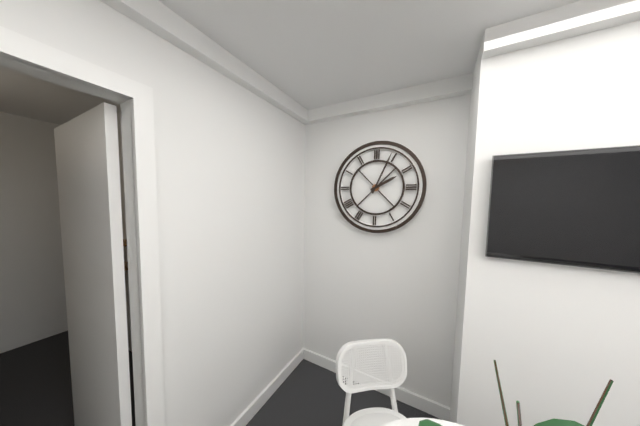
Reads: h=2 m=4
